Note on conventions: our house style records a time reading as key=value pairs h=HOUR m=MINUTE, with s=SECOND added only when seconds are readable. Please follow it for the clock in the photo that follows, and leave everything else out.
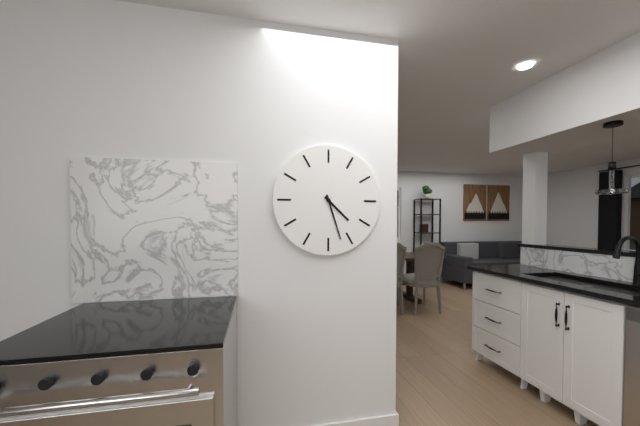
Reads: h=4 m=27
